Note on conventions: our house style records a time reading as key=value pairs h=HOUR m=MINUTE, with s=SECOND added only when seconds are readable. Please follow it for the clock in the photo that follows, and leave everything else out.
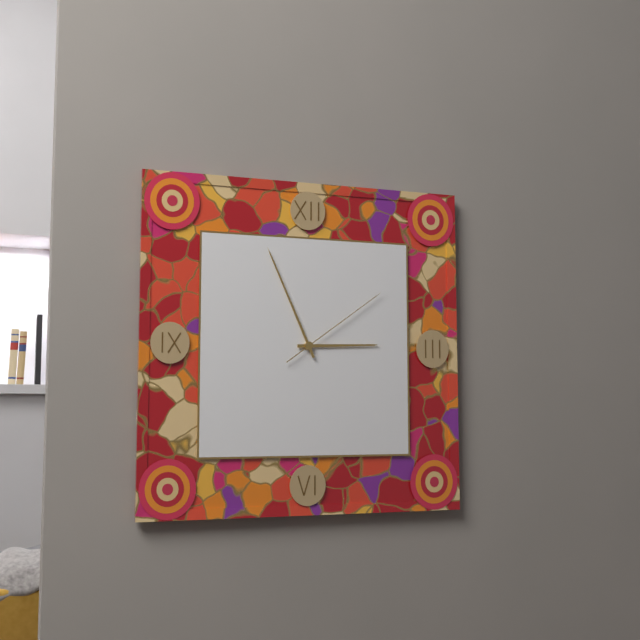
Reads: h=2 m=56 s=9
